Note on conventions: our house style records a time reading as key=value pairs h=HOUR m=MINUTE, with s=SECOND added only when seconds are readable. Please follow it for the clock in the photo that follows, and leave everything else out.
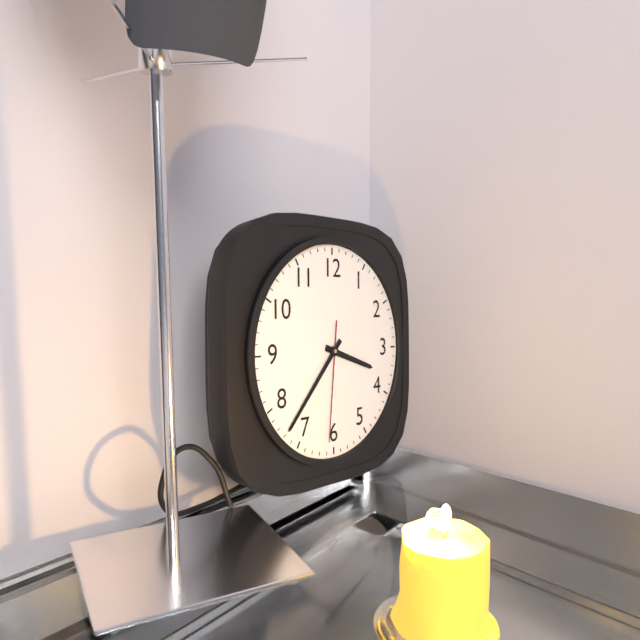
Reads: h=3 m=37 s=31
